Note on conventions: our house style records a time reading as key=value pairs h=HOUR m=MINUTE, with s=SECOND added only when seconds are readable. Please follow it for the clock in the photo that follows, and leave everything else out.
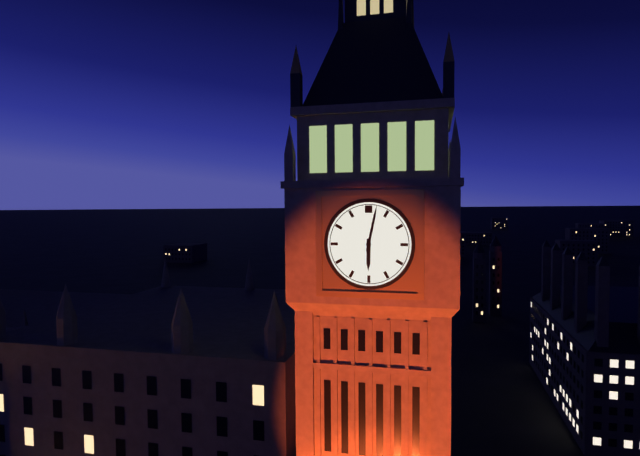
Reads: h=6 m=2
